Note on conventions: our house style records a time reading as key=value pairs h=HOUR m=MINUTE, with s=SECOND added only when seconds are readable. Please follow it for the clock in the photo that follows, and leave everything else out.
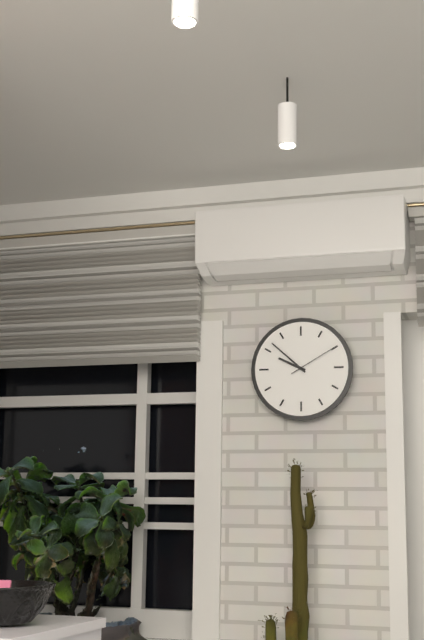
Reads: h=9 m=52 s=10
